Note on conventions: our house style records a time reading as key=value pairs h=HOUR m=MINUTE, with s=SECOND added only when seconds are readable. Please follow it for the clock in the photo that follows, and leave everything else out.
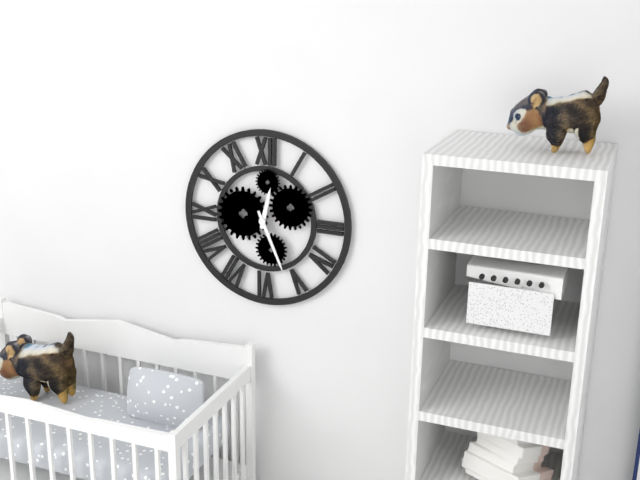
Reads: h=12 m=26
